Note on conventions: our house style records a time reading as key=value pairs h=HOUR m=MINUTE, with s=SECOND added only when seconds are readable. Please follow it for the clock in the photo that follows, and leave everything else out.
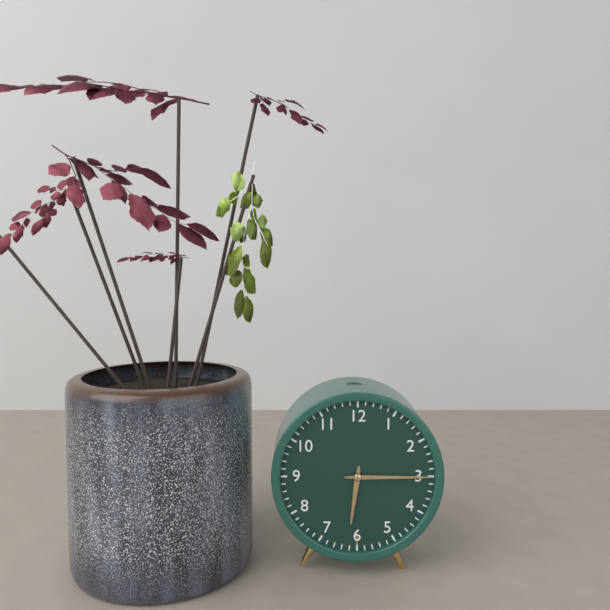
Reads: h=6 m=15
